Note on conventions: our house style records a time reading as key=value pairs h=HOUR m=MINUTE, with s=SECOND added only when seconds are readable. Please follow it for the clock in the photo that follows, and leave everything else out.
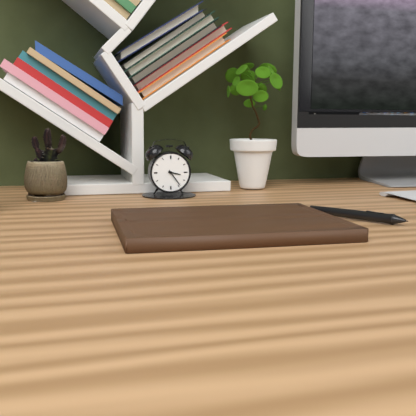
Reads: h=3 m=24
